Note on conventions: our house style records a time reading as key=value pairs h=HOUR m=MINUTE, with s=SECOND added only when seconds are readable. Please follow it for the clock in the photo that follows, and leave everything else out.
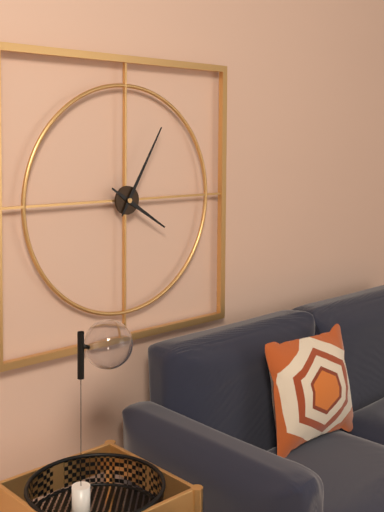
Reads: h=4 m=5
